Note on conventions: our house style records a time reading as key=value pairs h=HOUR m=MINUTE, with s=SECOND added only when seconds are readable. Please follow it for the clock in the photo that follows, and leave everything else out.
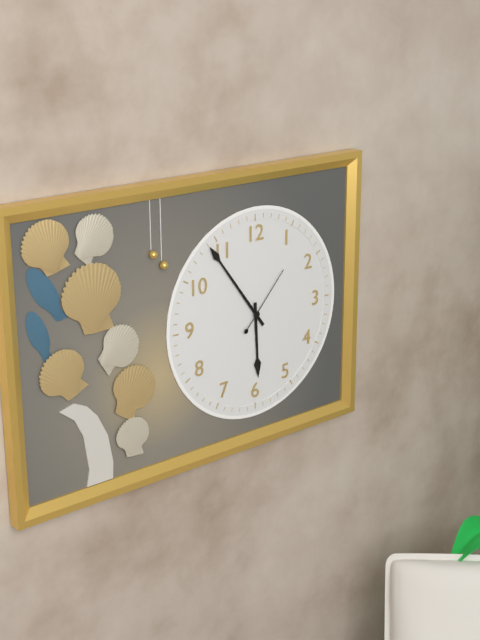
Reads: h=5 m=54 s=7
